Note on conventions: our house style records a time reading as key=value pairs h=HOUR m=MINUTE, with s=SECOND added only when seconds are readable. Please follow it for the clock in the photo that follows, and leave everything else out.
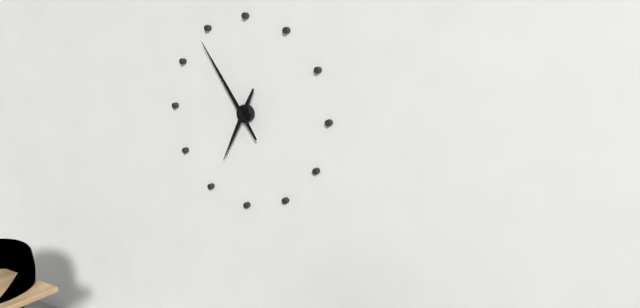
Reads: h=6 m=54
